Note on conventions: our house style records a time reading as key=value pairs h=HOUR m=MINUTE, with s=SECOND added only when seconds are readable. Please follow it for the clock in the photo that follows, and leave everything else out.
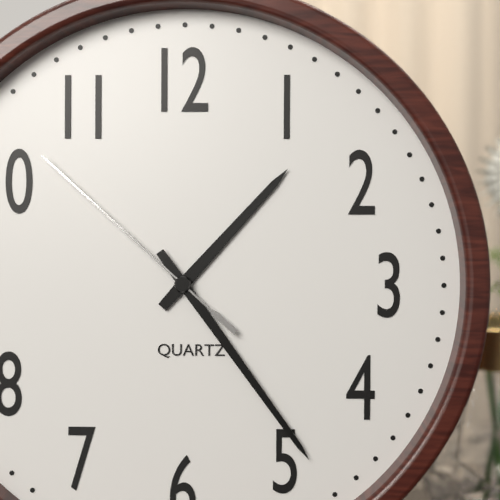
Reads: h=1 m=24 s=52
